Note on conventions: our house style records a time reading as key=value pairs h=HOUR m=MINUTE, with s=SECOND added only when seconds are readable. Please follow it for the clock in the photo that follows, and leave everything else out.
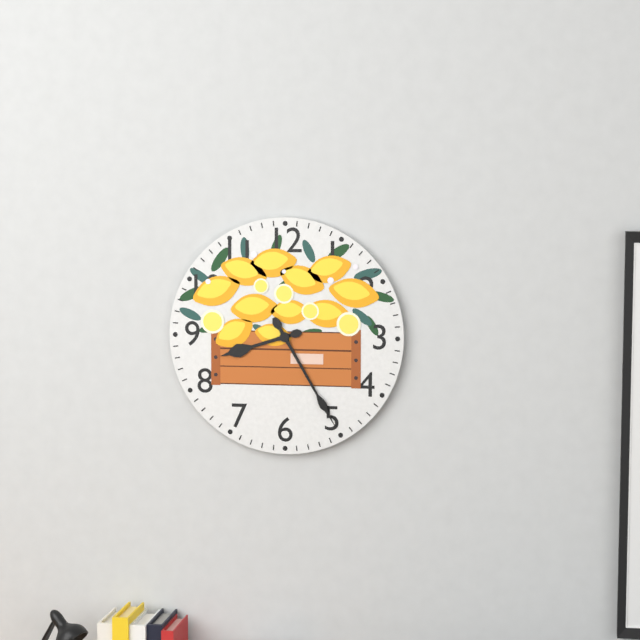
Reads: h=8 m=25
